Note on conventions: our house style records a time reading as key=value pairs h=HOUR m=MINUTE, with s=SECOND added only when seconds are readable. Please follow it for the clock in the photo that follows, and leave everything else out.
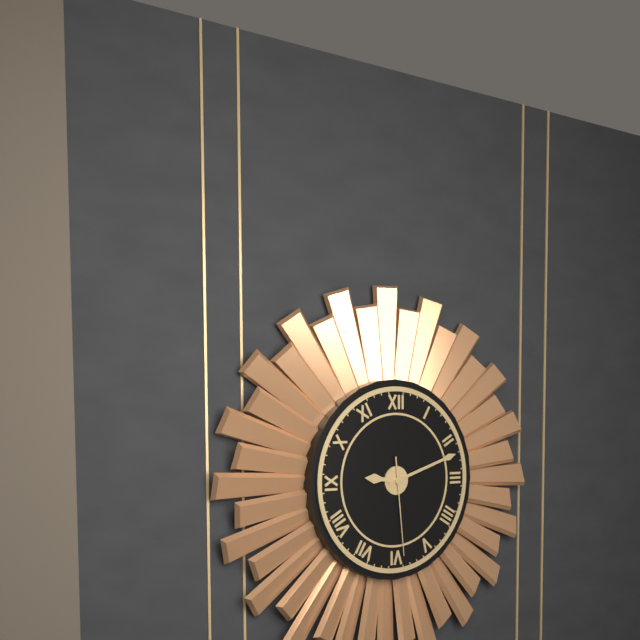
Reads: h=9 m=12 s=29
